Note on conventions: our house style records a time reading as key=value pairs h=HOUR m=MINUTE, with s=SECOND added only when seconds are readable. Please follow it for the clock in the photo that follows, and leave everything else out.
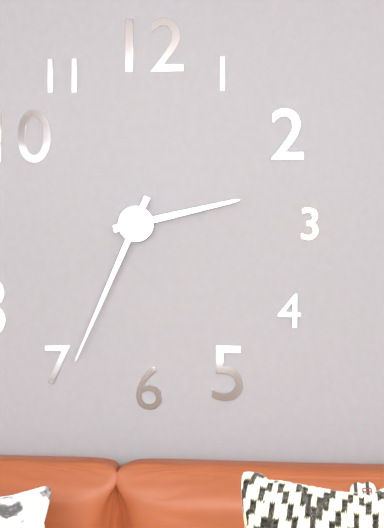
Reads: h=2 m=34
